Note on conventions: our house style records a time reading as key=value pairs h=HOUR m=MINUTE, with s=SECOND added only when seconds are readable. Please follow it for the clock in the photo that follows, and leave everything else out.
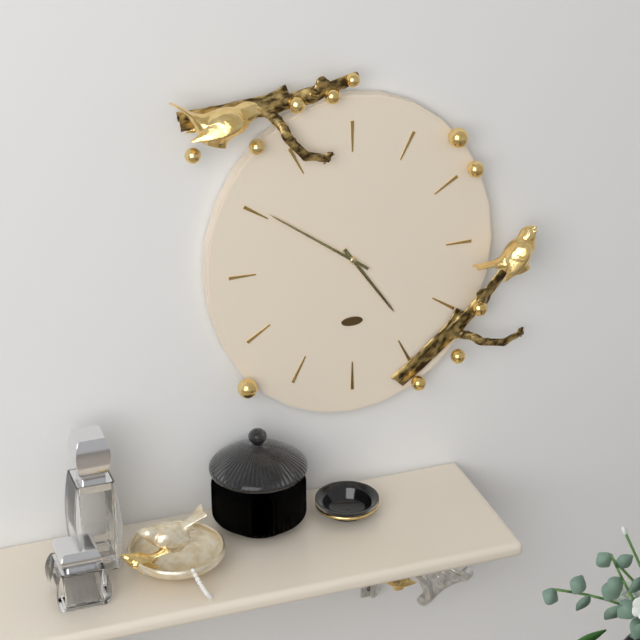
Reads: h=4 m=51
